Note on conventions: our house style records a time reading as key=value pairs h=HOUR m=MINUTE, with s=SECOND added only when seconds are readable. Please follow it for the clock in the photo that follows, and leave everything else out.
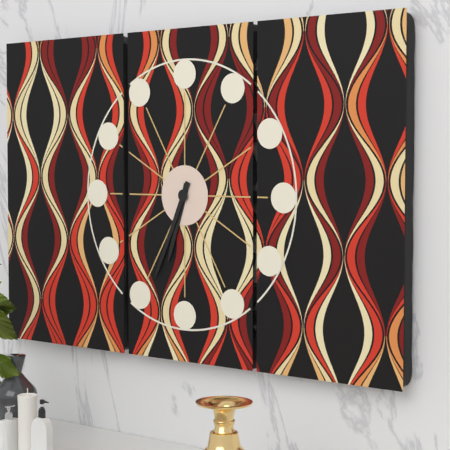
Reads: h=6 m=34
